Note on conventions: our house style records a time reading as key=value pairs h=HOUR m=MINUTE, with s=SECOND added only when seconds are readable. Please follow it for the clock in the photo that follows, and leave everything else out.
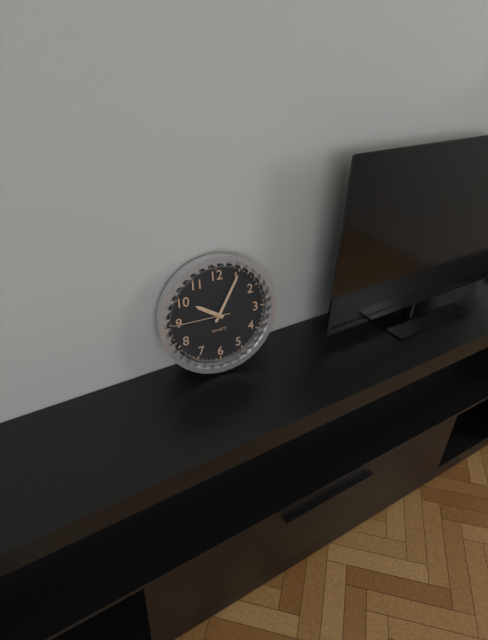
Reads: h=10 m=5 s=45
